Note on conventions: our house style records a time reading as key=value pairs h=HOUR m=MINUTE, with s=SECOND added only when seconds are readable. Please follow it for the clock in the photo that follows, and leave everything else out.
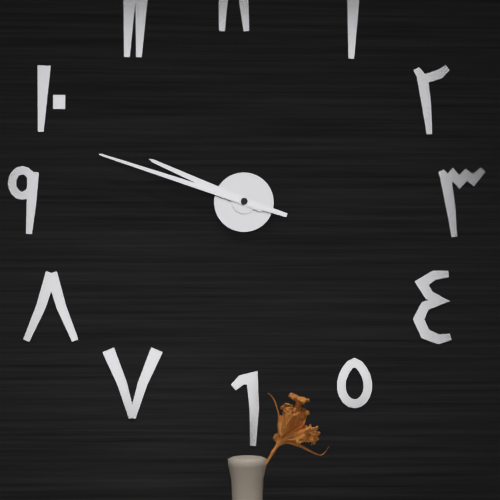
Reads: h=9 m=48
